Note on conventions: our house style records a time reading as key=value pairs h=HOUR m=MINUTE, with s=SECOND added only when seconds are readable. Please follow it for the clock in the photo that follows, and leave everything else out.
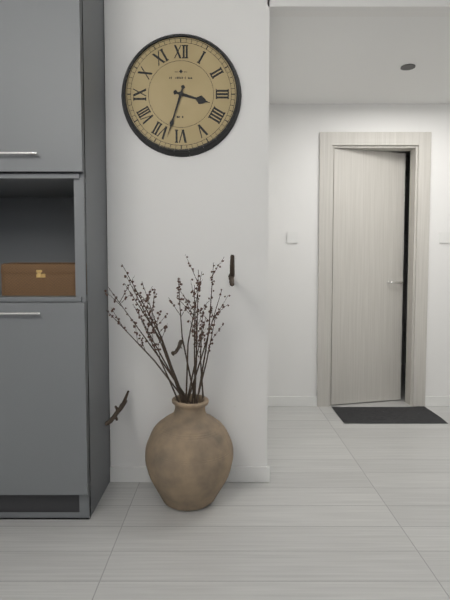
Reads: h=3 m=33
